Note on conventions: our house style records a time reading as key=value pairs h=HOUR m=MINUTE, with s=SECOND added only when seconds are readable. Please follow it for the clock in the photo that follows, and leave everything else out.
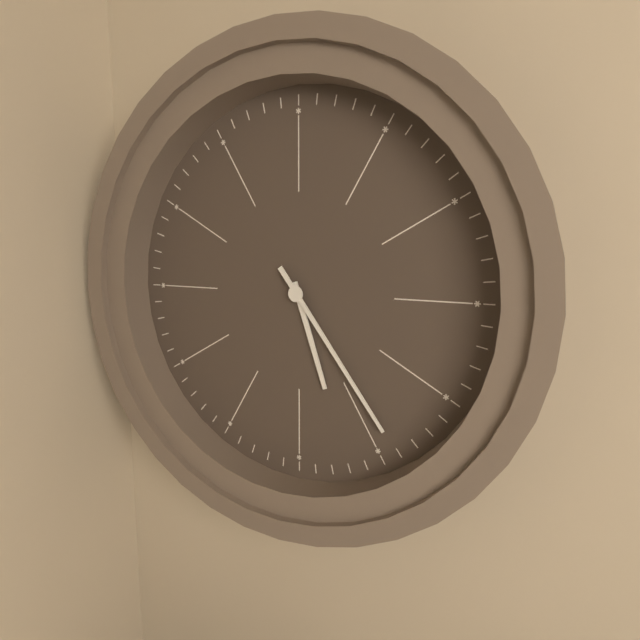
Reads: h=5 m=24
